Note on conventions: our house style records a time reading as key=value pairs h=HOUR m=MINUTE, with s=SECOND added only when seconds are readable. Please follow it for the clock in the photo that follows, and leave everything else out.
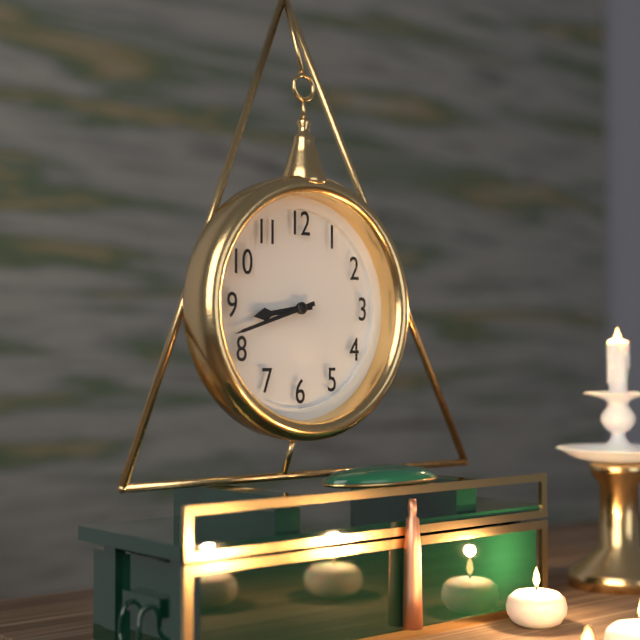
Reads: h=8 m=42
